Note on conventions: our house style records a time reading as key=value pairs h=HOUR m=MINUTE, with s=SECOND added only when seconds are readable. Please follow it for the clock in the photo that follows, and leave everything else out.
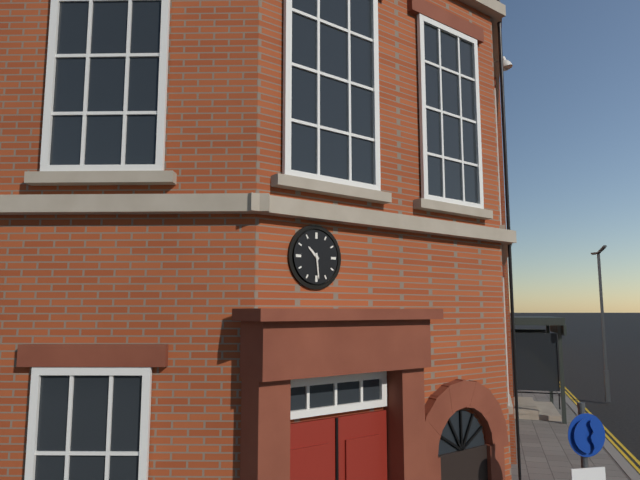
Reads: h=10 m=29
